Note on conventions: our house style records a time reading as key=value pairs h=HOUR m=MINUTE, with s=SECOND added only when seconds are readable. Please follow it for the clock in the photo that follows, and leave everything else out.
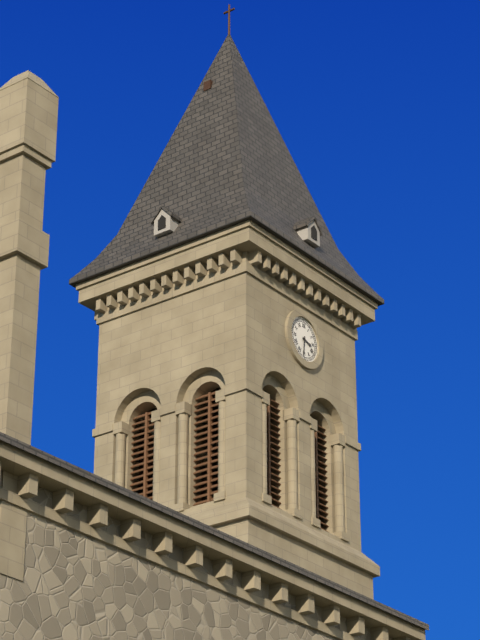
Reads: h=3 m=31
